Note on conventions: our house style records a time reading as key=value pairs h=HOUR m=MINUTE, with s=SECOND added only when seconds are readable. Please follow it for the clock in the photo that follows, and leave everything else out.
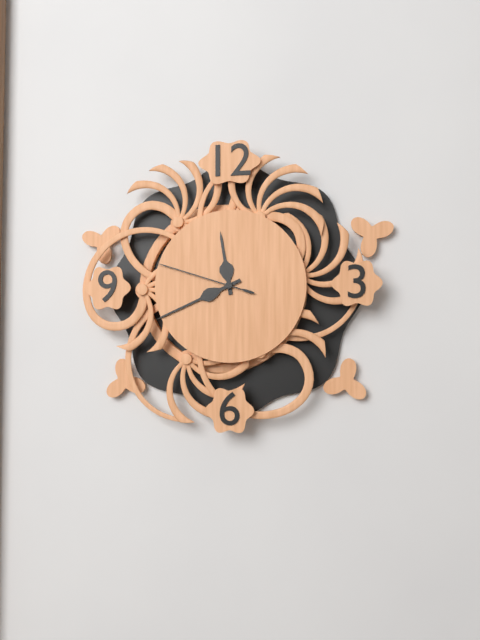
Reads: h=11 m=41 s=48
